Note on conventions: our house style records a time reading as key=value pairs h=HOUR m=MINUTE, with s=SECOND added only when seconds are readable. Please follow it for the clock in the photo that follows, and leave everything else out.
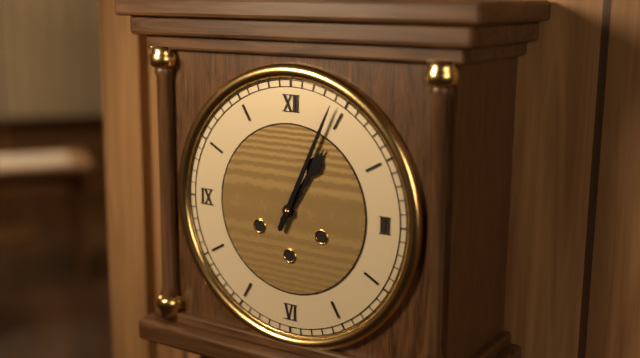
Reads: h=1 m=4
